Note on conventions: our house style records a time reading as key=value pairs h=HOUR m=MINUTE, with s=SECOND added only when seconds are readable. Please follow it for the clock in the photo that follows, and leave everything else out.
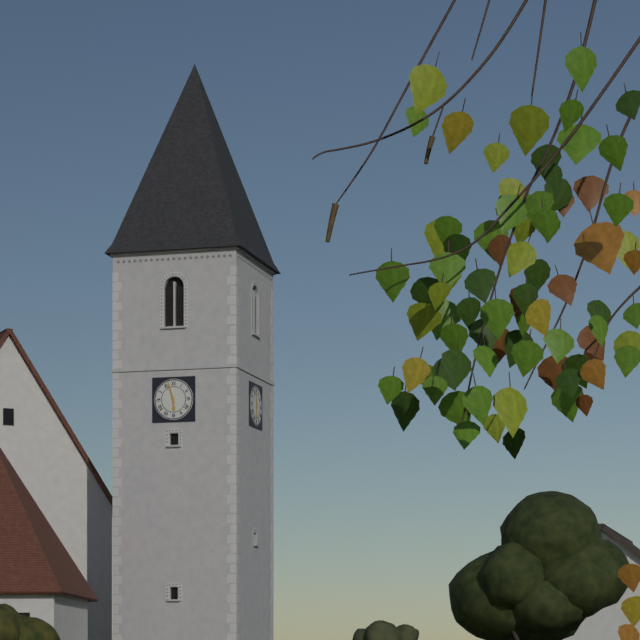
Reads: h=5 m=57
